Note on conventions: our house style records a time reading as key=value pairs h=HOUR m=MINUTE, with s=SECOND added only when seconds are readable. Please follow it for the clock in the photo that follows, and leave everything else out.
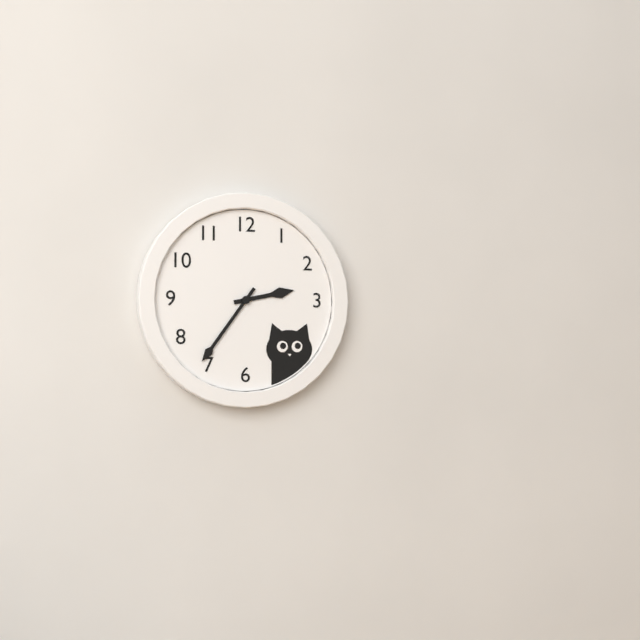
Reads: h=2 m=36
